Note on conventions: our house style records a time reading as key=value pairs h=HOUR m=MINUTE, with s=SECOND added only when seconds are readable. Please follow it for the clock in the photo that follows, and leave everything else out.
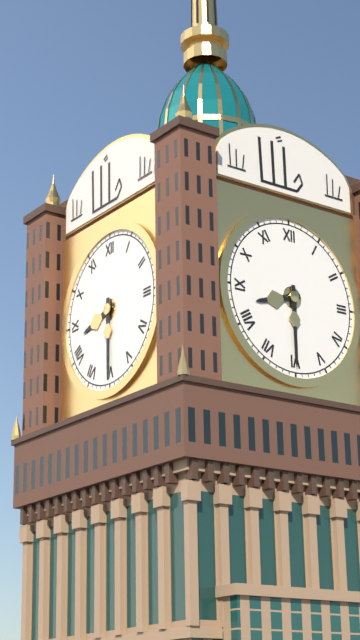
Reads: h=8 m=30
